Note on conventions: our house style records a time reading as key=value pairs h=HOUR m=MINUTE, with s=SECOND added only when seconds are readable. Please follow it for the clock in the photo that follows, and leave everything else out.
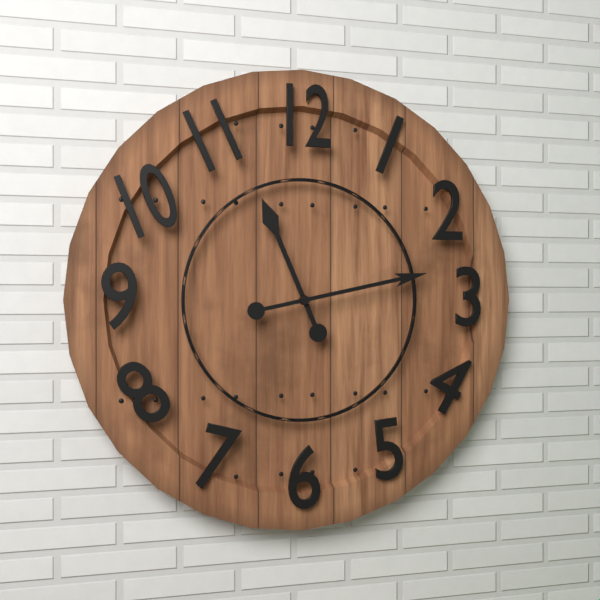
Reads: h=11 m=13
